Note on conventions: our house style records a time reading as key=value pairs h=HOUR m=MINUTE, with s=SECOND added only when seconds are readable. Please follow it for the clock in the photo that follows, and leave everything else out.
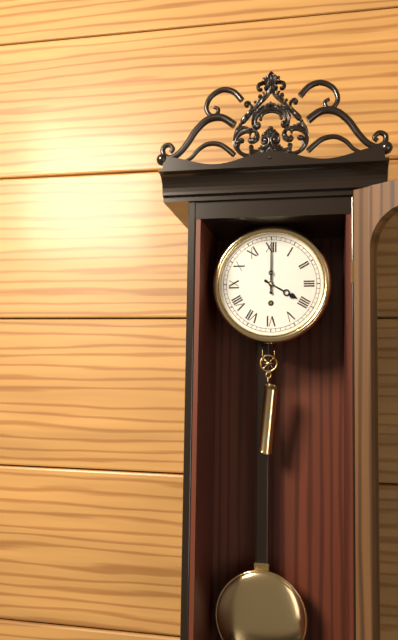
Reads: h=4 m=0
